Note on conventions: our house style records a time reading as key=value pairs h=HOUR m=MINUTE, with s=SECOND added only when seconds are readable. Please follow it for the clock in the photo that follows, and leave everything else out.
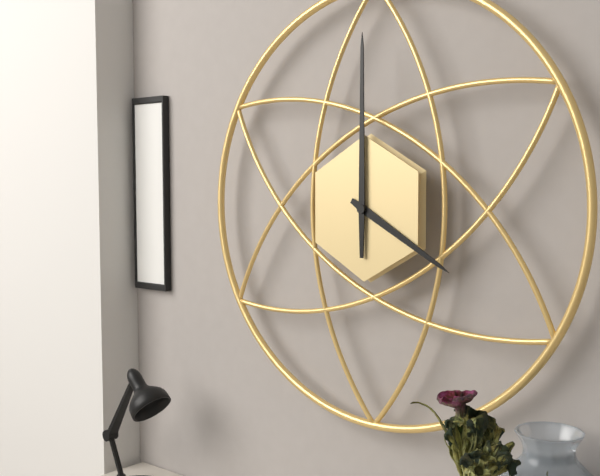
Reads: h=4 m=0
